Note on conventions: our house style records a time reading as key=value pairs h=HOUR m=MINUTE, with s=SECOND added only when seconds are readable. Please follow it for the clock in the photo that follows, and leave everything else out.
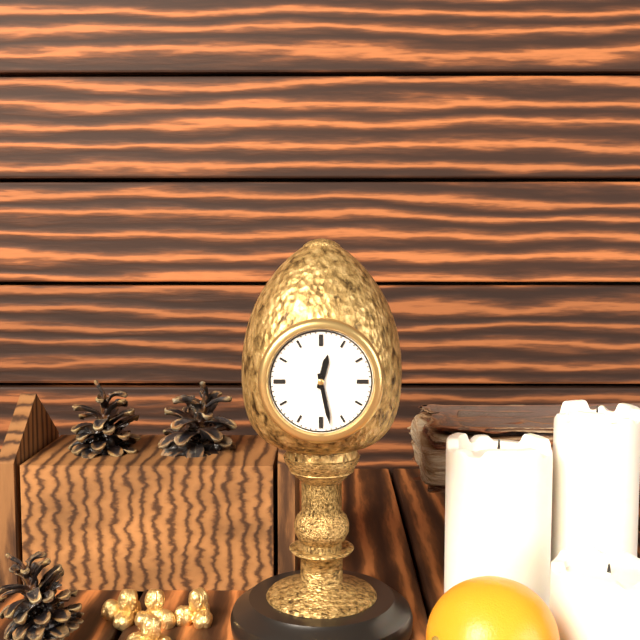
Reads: h=12 m=28
